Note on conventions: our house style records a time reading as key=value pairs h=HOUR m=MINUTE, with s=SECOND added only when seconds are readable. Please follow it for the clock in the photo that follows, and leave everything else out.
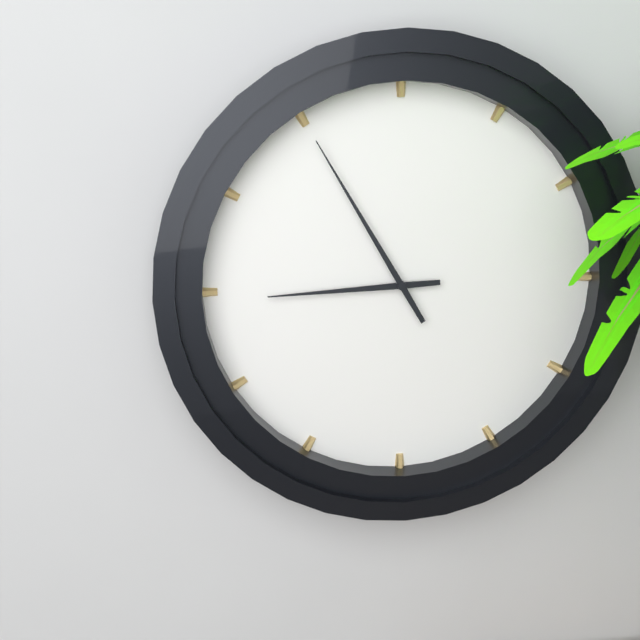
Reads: h=8 m=55
